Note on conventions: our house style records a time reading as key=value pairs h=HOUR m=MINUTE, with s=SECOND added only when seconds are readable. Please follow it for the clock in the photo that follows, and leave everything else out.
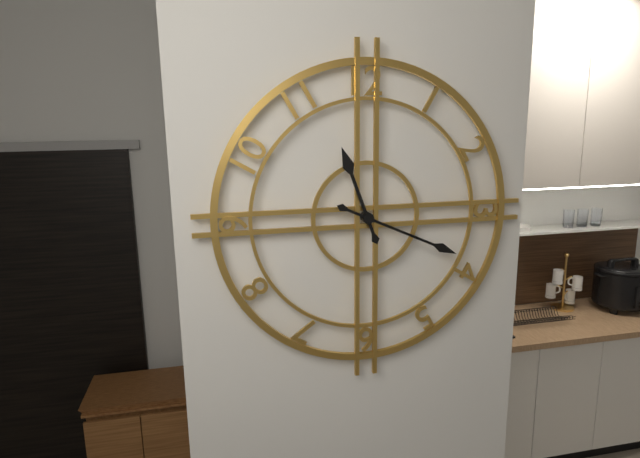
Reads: h=11 m=19
